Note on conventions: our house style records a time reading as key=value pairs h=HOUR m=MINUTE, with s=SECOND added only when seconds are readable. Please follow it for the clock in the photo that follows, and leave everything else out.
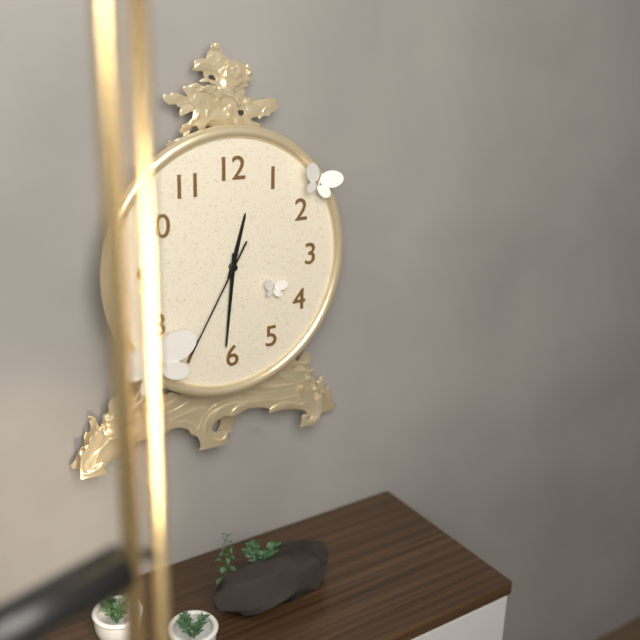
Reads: h=12 m=31 s=35
